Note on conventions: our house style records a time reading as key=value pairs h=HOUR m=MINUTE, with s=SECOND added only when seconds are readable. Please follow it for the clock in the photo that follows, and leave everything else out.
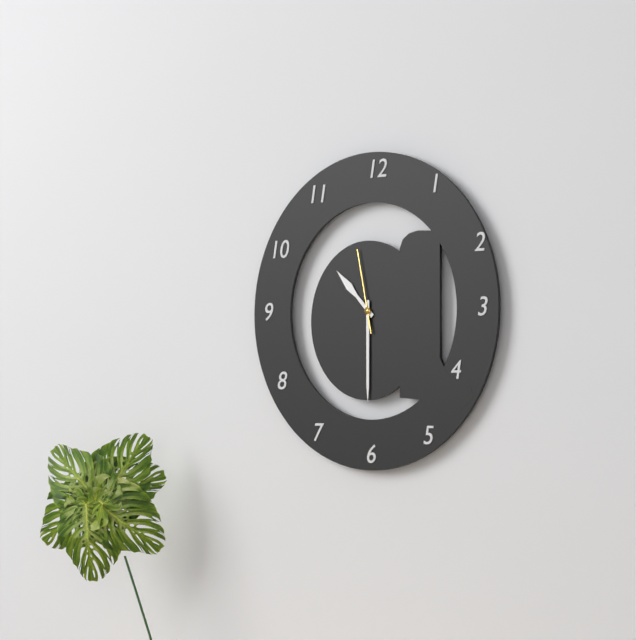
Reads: h=10 m=30 s=58
